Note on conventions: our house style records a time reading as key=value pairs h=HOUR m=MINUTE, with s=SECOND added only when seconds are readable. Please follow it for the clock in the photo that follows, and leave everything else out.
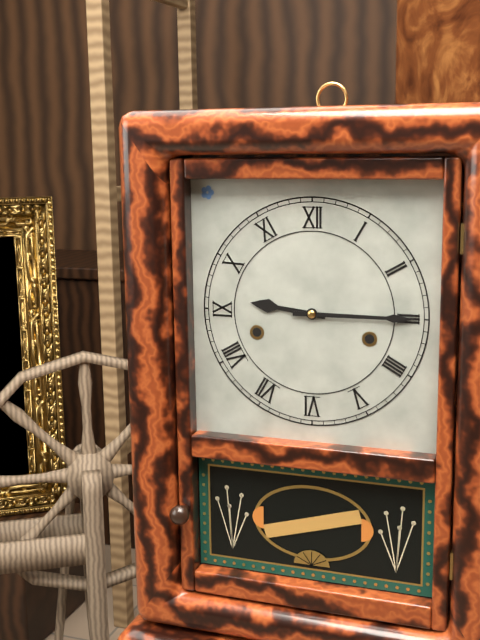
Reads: h=9 m=15
